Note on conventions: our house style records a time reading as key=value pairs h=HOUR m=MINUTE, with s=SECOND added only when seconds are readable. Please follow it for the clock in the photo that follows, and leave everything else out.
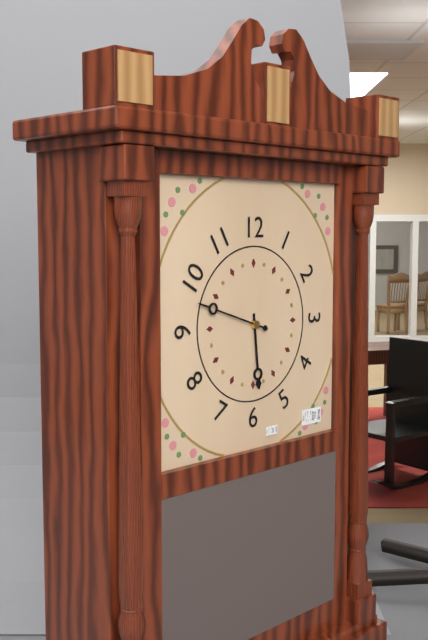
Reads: h=5 m=48
